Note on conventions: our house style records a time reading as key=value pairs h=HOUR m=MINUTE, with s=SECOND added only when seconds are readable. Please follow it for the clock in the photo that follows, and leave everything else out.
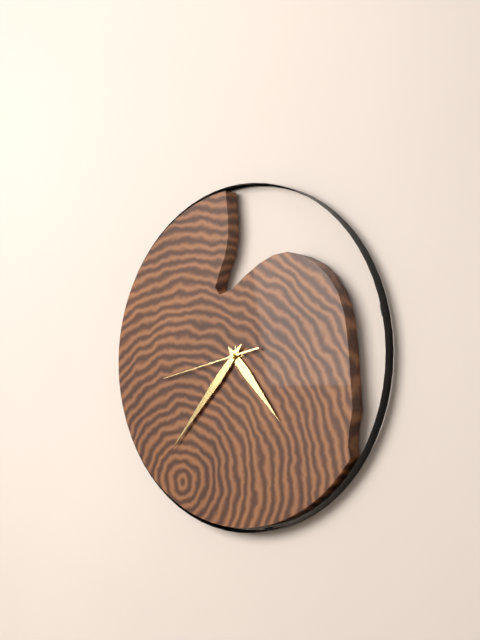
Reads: h=4 m=37 s=43
